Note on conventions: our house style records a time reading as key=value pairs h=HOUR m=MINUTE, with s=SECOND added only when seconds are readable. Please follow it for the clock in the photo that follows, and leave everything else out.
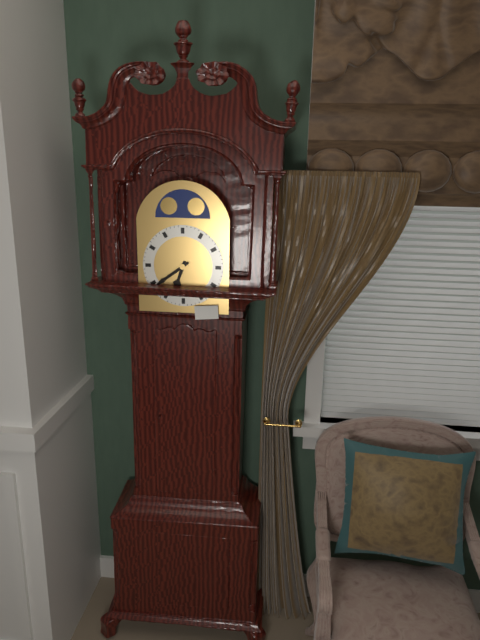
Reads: h=6 m=39
